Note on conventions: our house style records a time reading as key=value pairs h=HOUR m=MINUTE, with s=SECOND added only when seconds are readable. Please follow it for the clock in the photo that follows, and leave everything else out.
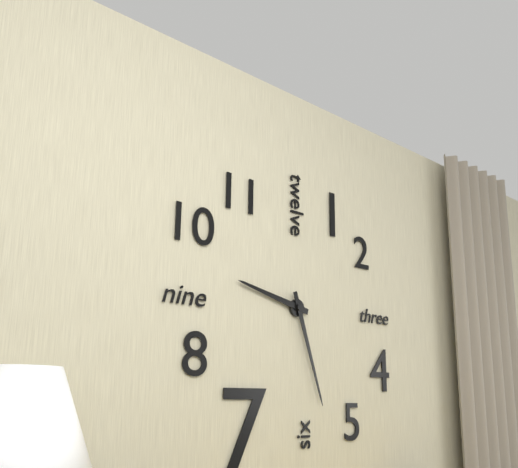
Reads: h=9 m=27
